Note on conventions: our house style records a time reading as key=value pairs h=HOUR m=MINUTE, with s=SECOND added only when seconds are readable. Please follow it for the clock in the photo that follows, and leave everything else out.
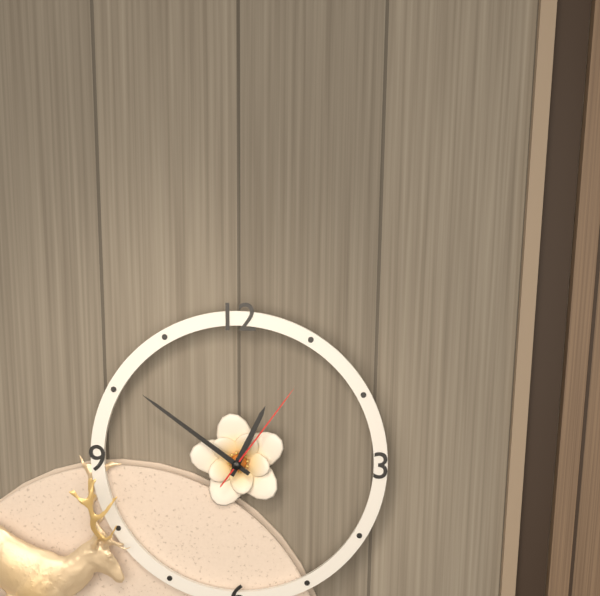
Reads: h=12 m=51 s=6
